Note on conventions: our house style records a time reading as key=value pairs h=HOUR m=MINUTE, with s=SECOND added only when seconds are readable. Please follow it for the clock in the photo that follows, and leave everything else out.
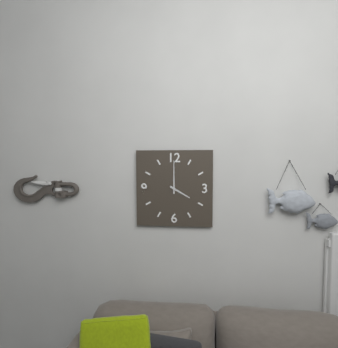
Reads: h=4 m=0
